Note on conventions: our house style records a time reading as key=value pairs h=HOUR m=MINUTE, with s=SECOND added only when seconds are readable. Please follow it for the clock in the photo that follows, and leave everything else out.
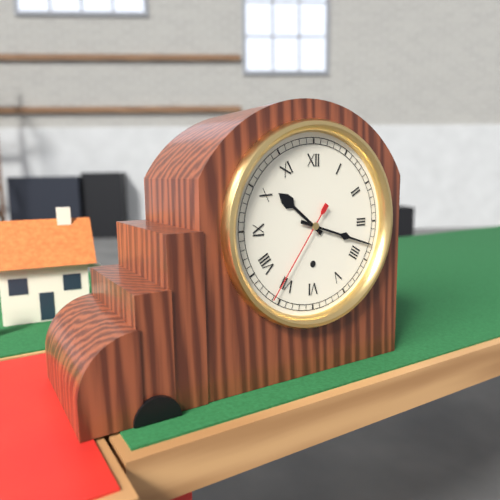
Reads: h=10 m=18 s=36
